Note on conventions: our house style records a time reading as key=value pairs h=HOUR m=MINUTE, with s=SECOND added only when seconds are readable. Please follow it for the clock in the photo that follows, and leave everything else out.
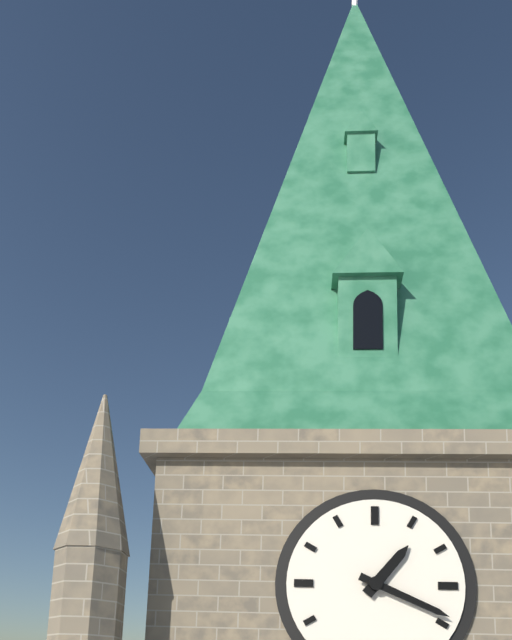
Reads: h=1 m=19
